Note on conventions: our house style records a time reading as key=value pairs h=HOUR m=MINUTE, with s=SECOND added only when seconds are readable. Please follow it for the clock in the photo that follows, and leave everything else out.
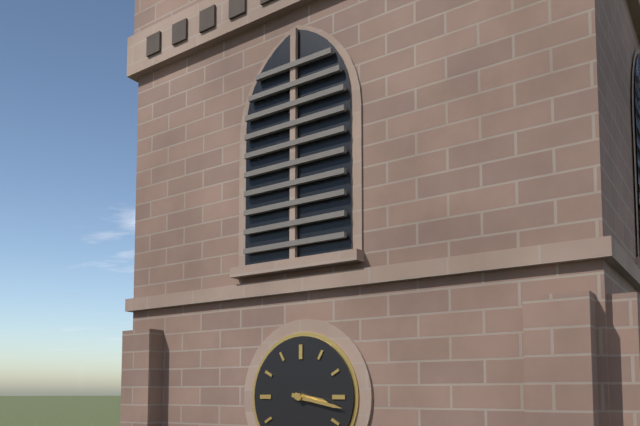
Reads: h=3 m=17
